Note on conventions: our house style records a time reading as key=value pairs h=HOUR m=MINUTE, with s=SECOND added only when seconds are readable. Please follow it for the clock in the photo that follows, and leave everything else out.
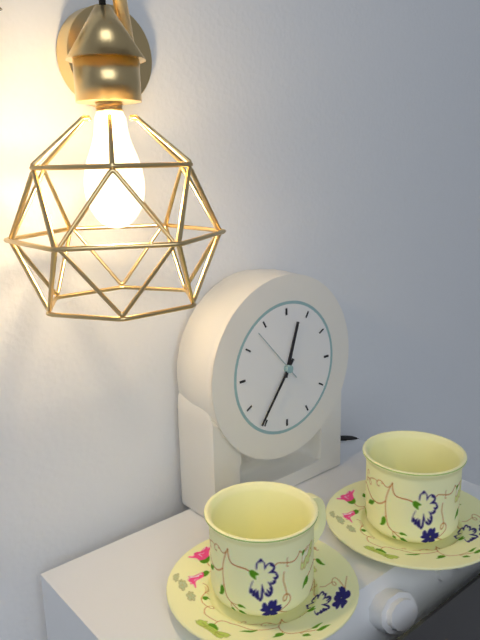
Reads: h=12 m=36 s=53
